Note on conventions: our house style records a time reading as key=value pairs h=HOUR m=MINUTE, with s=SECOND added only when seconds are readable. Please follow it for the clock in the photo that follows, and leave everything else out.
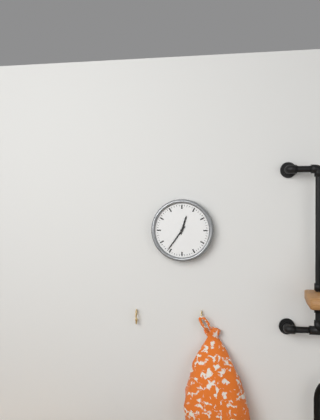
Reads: h=12 m=36
